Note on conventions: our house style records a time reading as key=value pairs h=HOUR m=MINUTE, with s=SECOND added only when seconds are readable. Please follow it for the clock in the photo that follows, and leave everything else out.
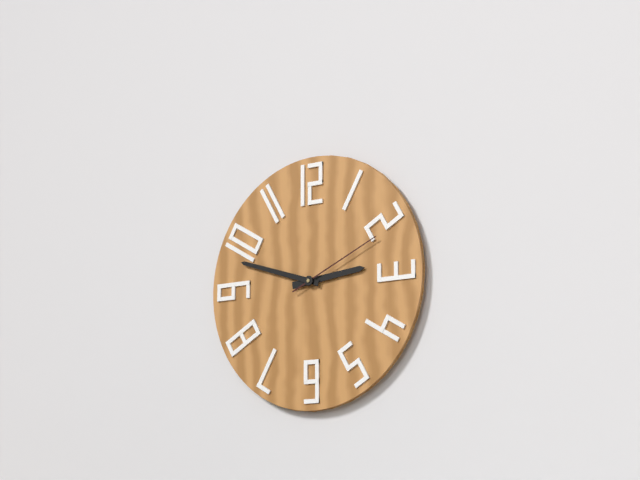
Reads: h=2 m=48 s=11
